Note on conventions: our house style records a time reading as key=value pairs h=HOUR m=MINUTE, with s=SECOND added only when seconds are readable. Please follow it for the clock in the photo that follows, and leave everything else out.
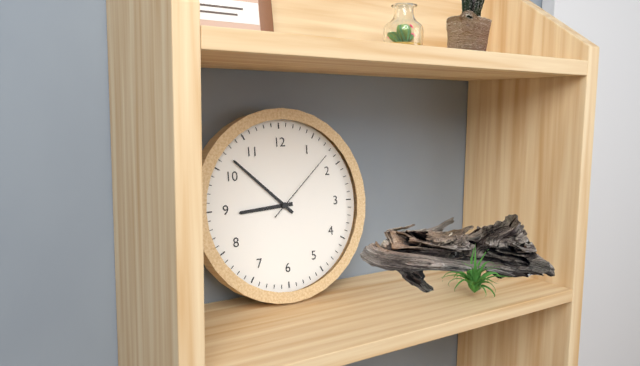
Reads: h=8 m=52 s=8
